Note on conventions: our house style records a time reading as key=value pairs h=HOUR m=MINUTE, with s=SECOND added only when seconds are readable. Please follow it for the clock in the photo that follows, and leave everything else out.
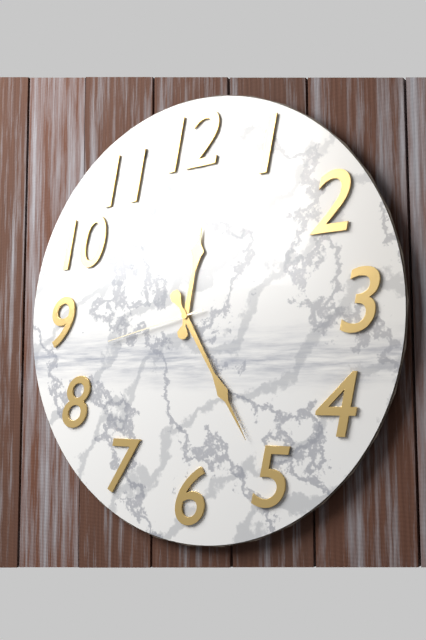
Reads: h=12 m=25 s=43
